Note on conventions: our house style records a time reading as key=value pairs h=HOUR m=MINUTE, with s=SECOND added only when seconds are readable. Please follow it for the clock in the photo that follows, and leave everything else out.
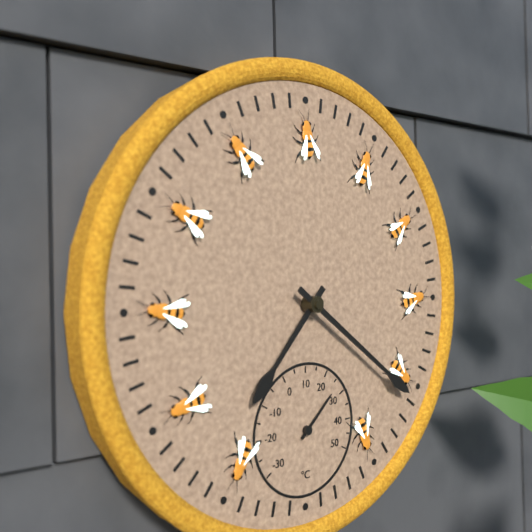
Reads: h=7 m=21
